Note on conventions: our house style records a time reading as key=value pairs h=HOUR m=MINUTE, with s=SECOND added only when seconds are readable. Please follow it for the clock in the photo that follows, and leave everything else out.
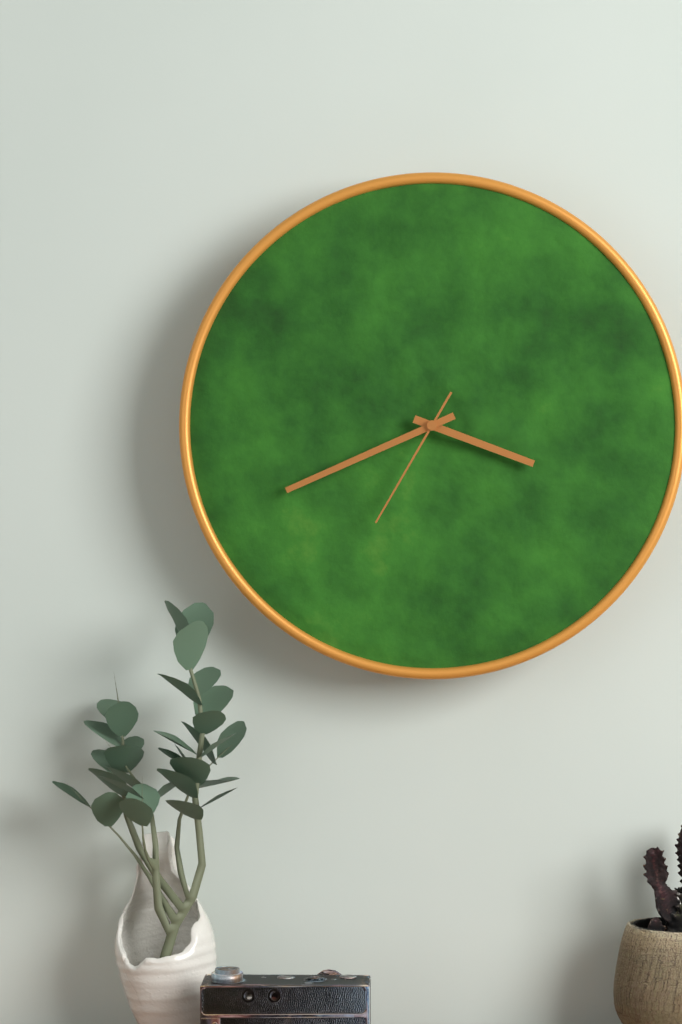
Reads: h=3 m=41 s=35
